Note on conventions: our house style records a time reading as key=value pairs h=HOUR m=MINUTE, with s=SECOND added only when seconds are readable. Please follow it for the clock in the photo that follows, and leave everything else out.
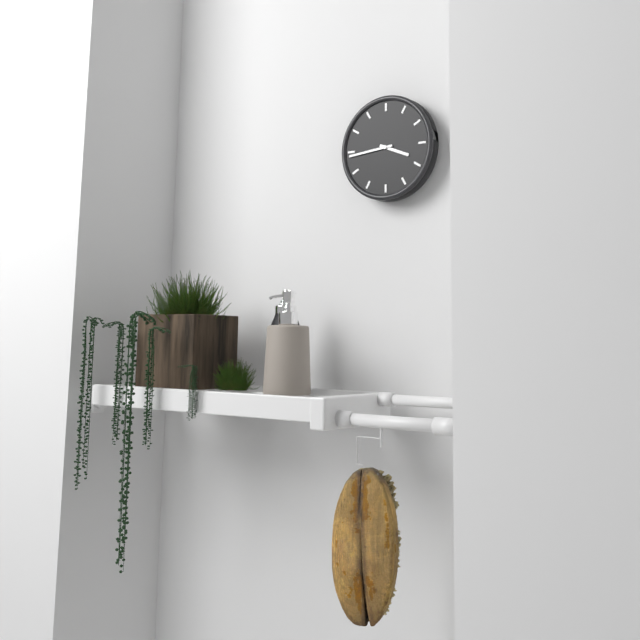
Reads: h=3 m=44
